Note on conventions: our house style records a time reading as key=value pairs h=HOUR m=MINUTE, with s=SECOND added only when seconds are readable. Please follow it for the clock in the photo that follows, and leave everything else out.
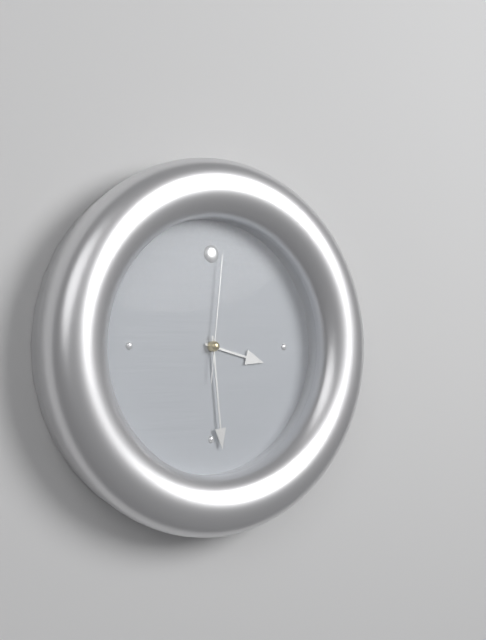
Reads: h=3 m=29 s=1
